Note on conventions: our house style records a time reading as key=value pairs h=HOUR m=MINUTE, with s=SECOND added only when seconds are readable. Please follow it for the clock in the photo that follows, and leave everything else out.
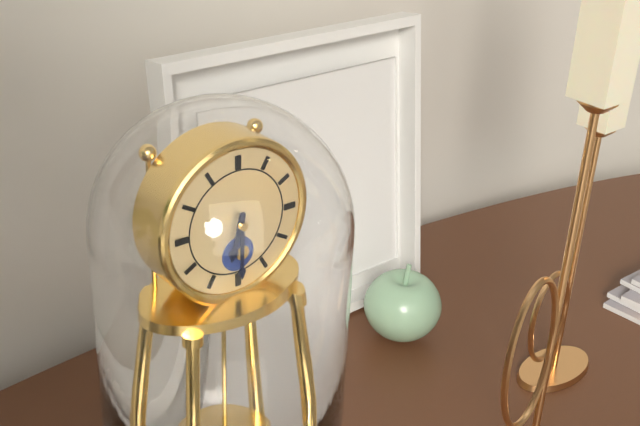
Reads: h=6 m=30
